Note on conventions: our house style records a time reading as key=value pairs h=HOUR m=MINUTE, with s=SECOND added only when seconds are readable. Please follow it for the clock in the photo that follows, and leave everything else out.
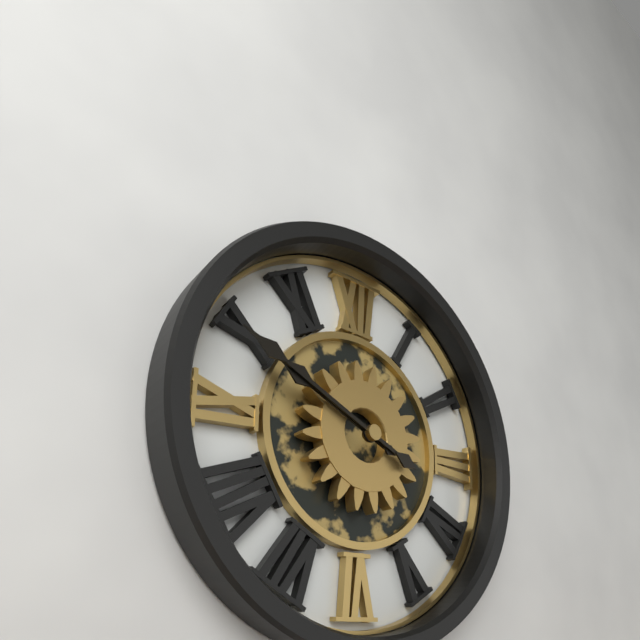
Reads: h=9 m=49
